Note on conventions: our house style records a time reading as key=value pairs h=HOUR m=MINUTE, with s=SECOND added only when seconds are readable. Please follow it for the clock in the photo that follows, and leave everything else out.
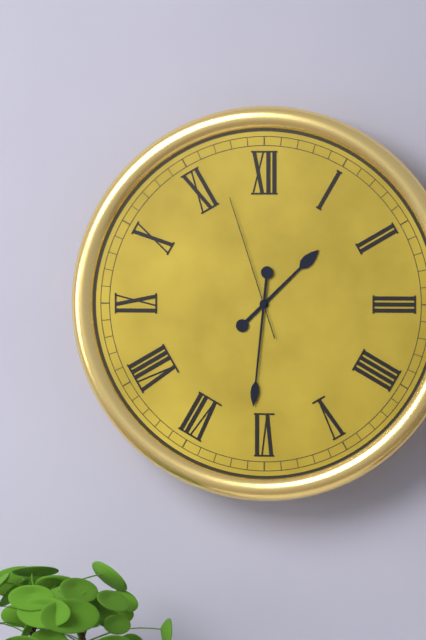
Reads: h=1 m=31 s=57
